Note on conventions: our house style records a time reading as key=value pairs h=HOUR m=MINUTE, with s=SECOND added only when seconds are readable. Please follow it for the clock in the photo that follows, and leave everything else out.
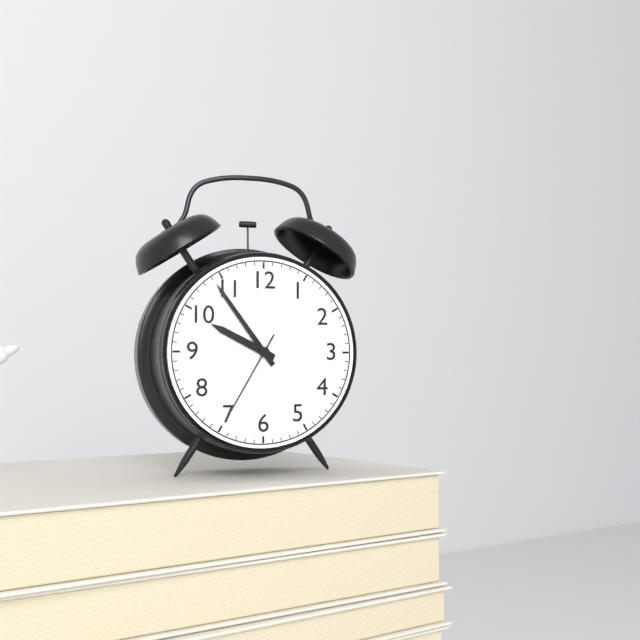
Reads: h=9 m=54 s=35
